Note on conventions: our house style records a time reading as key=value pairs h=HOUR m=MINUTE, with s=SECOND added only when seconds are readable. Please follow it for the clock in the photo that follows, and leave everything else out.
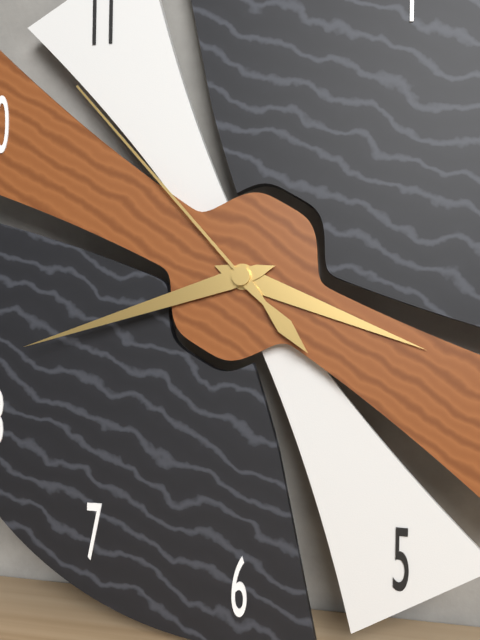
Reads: h=3 m=42 s=53
